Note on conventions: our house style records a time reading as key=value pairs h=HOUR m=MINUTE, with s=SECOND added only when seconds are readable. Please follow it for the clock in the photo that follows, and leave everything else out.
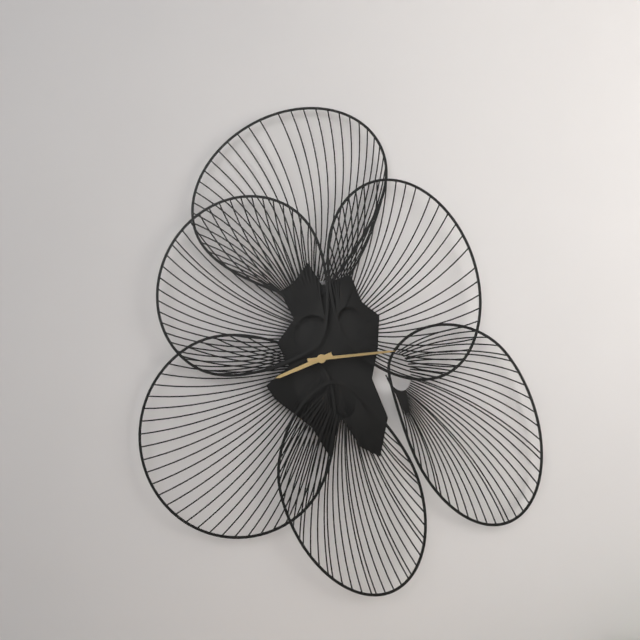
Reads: h=8 m=14
